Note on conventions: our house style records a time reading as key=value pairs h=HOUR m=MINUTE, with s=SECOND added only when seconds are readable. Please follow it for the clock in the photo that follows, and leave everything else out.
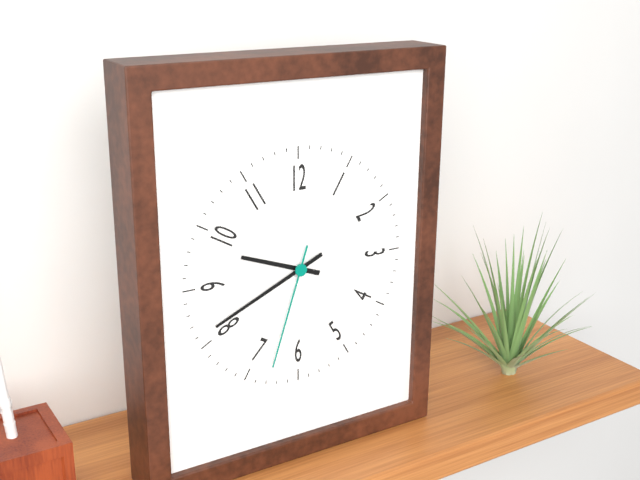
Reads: h=9 m=41 s=33
